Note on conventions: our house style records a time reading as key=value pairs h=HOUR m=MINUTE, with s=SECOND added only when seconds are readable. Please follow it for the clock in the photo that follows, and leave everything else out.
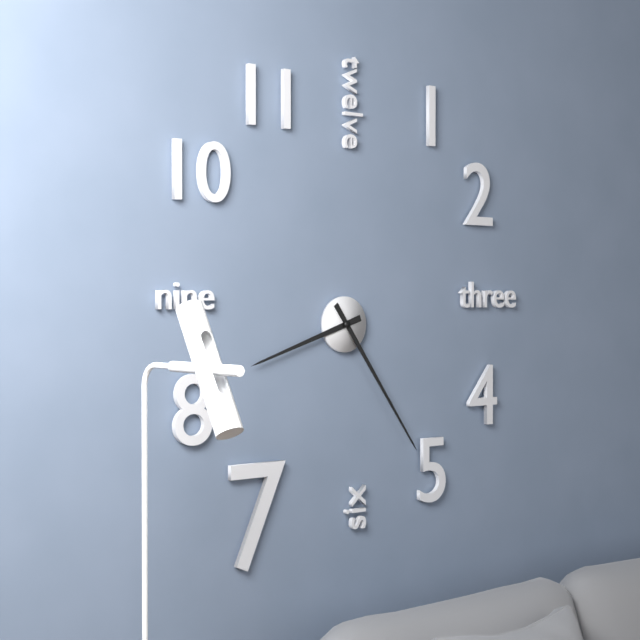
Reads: h=8 m=24
